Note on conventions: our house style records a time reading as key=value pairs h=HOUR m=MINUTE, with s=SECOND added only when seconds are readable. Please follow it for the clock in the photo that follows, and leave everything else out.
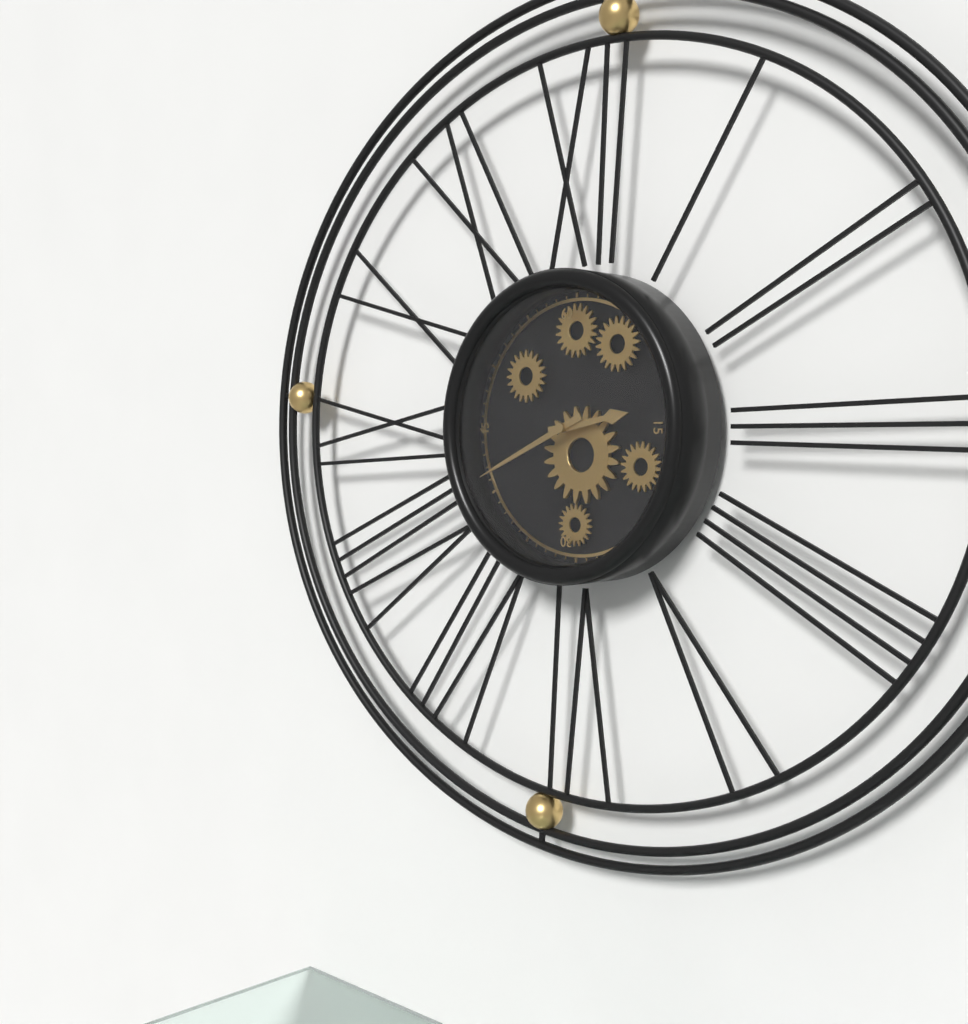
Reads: h=2 m=41
